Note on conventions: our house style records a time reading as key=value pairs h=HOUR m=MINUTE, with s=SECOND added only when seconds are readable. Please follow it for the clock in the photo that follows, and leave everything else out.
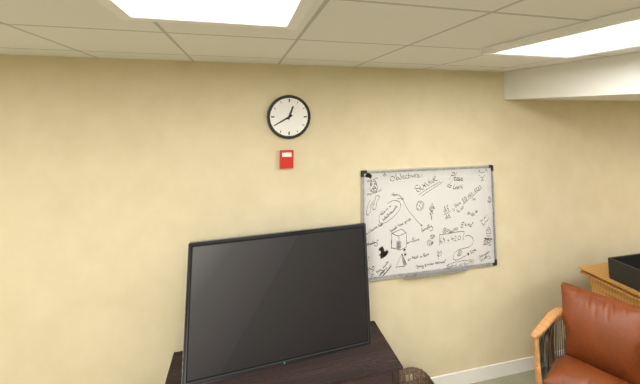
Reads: h=12 m=40
